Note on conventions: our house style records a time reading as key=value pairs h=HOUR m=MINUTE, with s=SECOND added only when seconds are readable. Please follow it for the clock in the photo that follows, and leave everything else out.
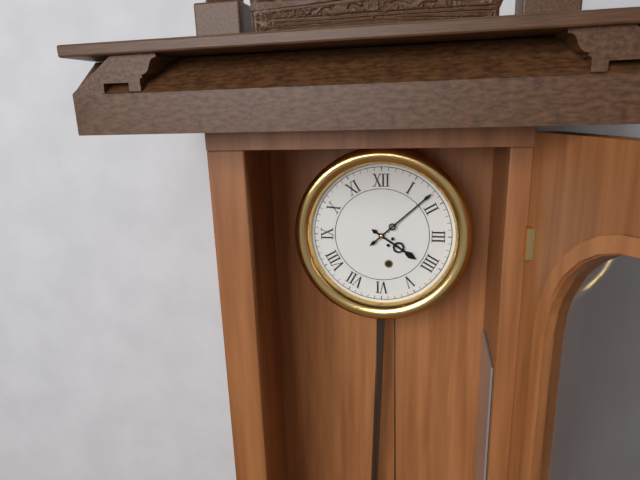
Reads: h=4 m=8
